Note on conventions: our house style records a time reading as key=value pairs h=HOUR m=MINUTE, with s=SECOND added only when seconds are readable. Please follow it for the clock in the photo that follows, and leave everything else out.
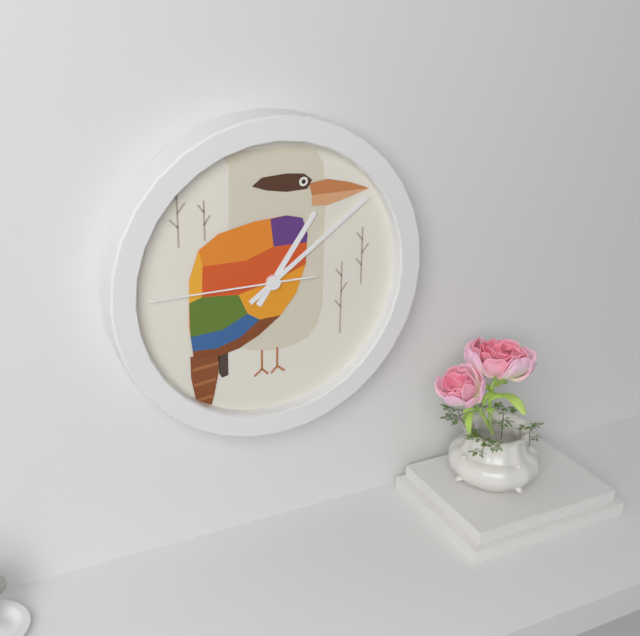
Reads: h=1 m=9 s=45
